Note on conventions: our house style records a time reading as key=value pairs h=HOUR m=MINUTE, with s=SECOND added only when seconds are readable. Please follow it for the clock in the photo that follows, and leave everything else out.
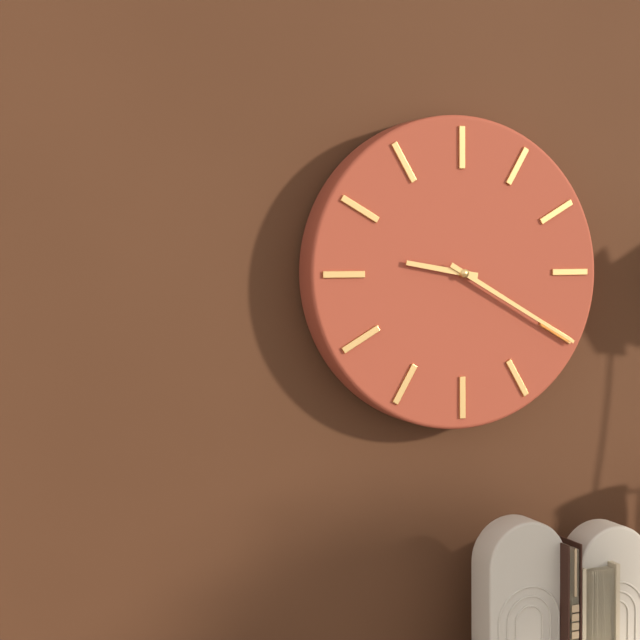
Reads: h=9 m=20
